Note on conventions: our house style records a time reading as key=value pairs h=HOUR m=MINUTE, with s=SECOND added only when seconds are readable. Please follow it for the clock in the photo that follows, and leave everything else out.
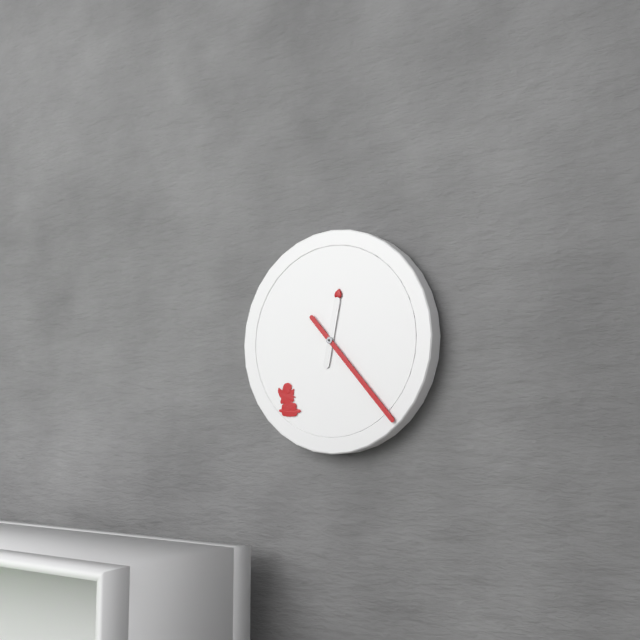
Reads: h=12 m=23
